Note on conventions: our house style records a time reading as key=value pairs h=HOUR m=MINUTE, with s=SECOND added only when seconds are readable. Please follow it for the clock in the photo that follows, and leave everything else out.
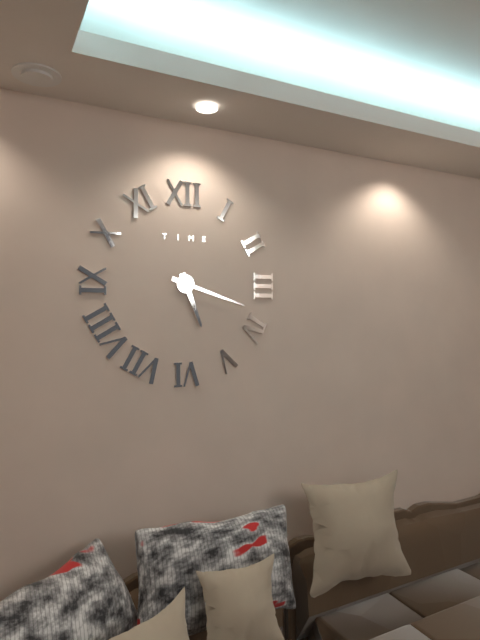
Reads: h=5 m=18
